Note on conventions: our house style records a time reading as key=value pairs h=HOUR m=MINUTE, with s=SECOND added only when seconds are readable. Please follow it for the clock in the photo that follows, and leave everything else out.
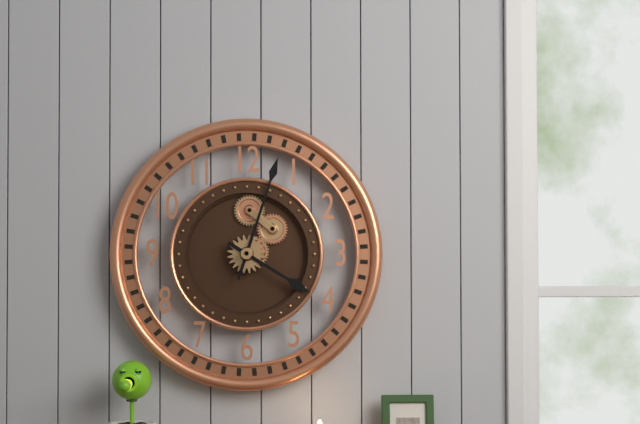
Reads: h=4 m=3
